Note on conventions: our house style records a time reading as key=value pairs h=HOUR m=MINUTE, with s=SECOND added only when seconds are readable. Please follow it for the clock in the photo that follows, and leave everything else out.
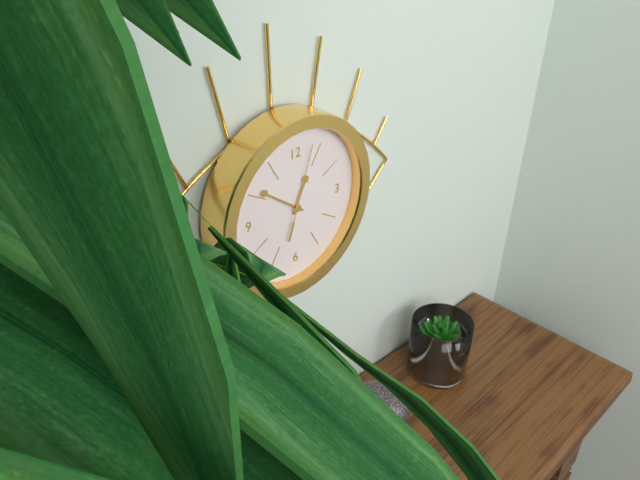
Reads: h=12 m=51 s=3
